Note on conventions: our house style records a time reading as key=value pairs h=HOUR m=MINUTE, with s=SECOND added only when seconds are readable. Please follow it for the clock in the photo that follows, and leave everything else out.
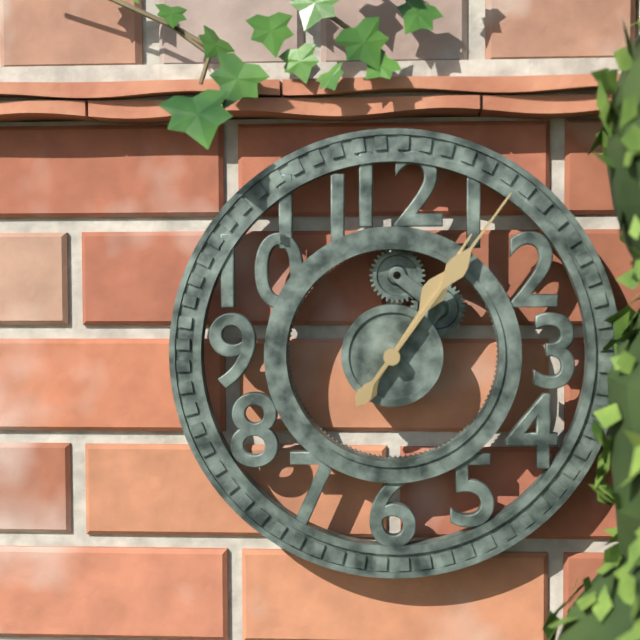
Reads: h=1 m=6
